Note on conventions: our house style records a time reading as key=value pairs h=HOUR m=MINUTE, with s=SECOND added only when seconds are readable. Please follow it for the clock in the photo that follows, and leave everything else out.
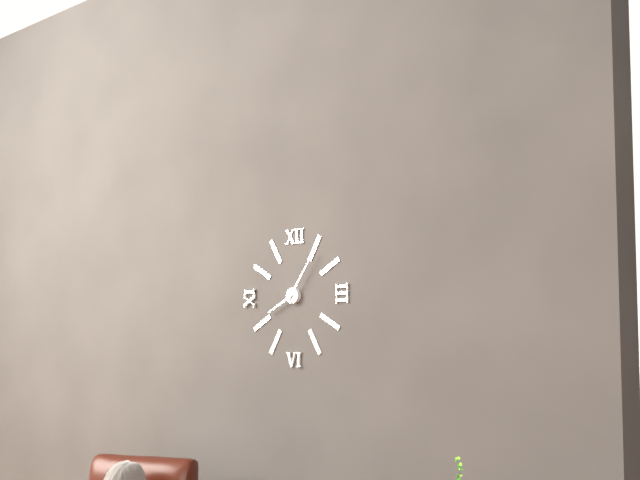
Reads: h=8 m=6
